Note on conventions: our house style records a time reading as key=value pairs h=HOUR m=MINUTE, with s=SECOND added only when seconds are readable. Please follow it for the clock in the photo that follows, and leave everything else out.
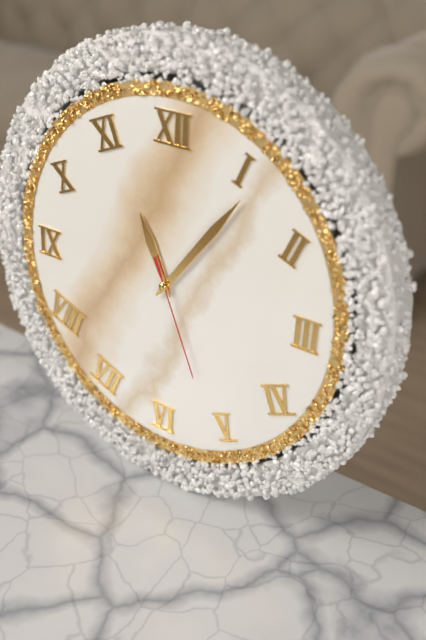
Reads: h=11 m=6 s=26
